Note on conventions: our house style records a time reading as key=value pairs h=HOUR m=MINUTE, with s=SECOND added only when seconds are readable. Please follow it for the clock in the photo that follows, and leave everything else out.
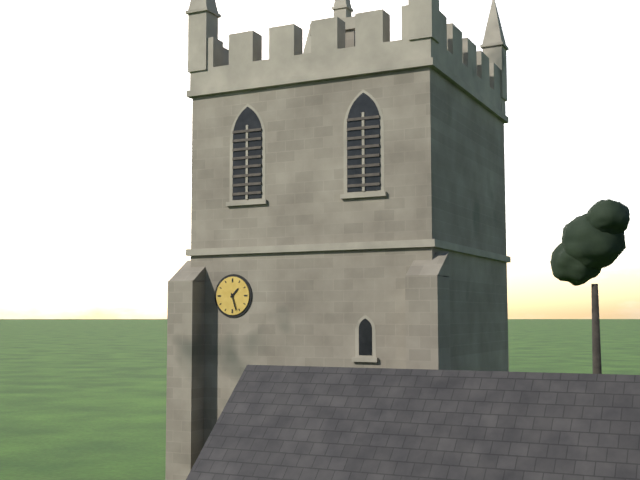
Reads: h=1 m=27
